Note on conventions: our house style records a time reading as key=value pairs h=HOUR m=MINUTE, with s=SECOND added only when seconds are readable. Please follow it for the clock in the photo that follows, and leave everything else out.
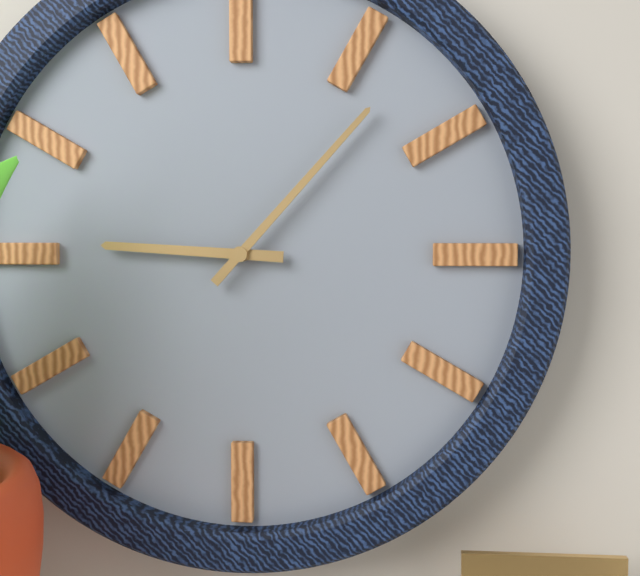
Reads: h=9 m=7
